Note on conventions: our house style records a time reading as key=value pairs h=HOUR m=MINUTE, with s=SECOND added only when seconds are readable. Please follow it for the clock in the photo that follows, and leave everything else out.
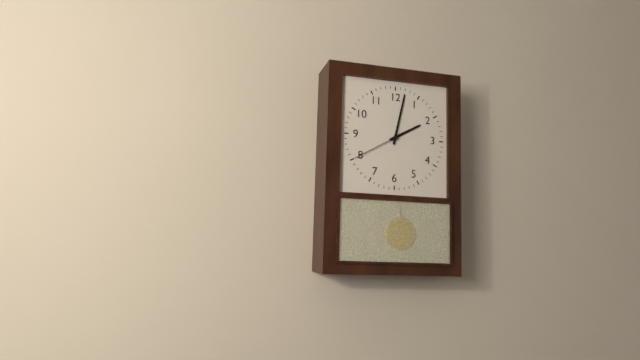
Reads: h=2 m=2 s=40
